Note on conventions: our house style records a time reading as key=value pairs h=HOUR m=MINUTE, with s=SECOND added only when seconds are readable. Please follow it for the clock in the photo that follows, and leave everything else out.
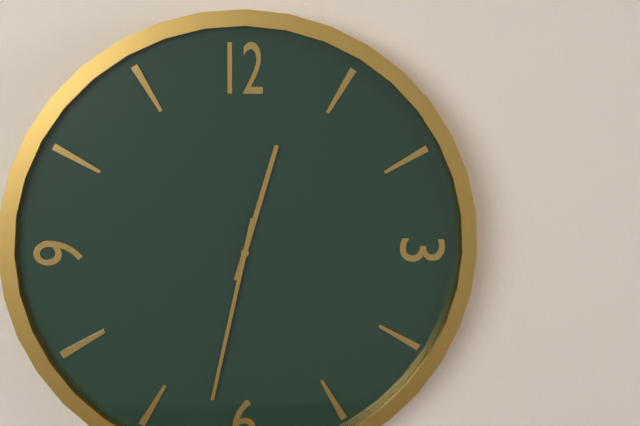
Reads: h=12 m=32
